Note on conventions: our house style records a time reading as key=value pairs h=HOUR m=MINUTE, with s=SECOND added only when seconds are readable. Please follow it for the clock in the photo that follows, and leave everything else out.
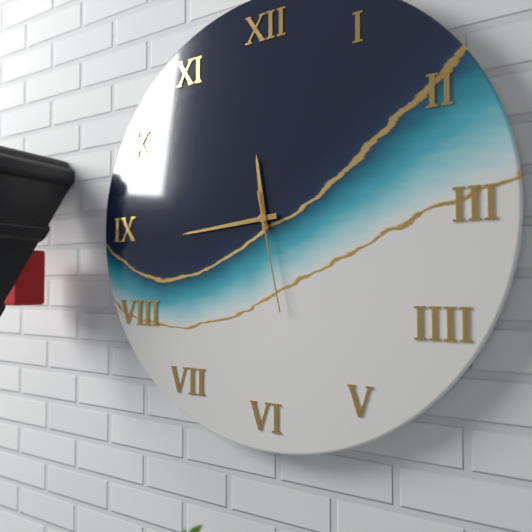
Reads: h=11 m=44 s=28
